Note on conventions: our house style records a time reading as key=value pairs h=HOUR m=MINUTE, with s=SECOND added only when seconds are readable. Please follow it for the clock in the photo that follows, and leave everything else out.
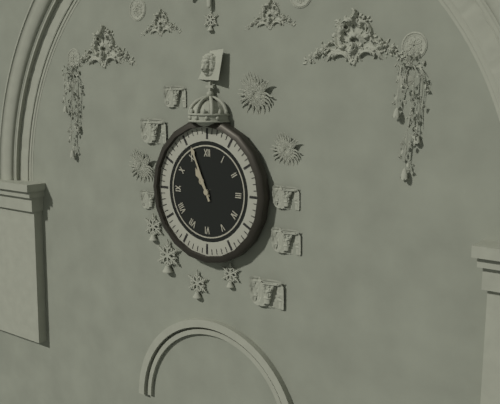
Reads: h=10 m=56
